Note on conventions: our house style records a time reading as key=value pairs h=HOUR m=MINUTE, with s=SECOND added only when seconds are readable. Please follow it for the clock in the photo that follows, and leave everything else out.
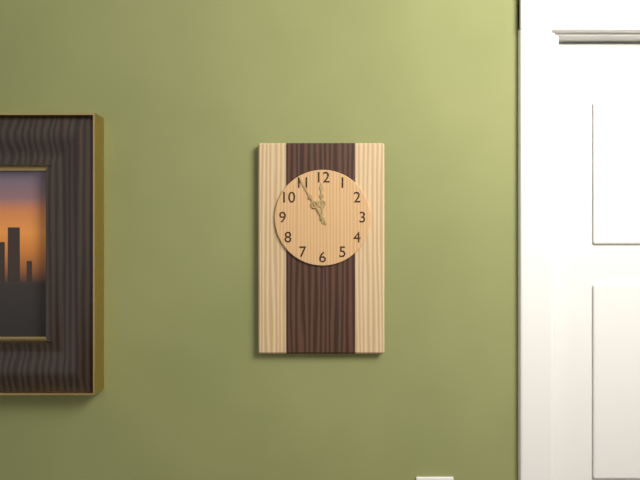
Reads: h=11 m=55
